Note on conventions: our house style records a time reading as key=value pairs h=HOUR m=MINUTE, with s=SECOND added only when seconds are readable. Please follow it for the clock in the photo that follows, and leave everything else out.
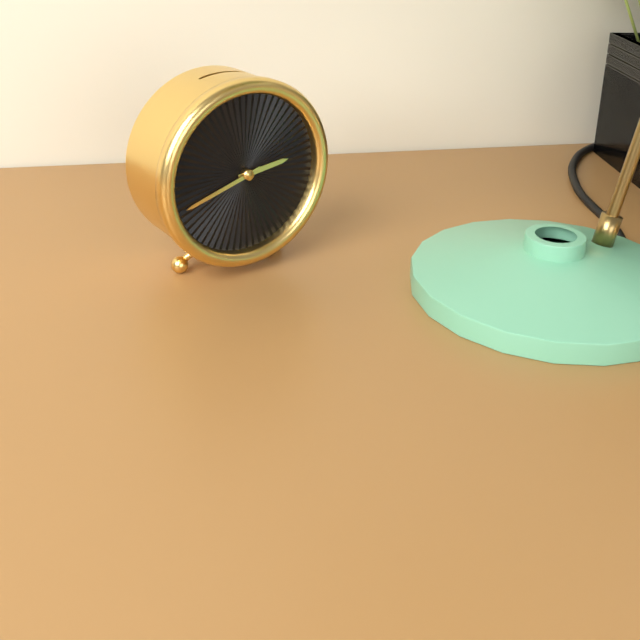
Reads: h=2 m=42
